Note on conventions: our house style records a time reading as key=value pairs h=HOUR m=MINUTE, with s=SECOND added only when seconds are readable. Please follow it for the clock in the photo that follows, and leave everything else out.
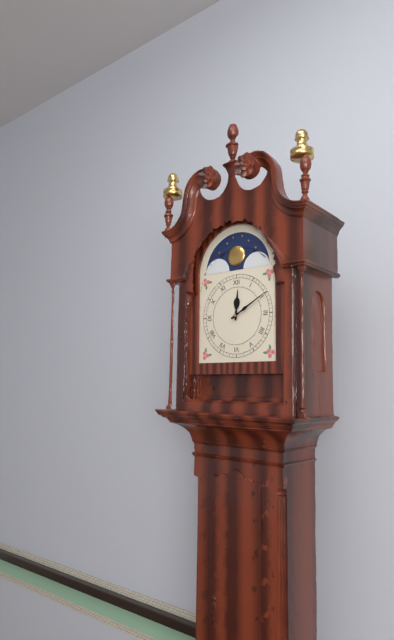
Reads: h=12 m=10
